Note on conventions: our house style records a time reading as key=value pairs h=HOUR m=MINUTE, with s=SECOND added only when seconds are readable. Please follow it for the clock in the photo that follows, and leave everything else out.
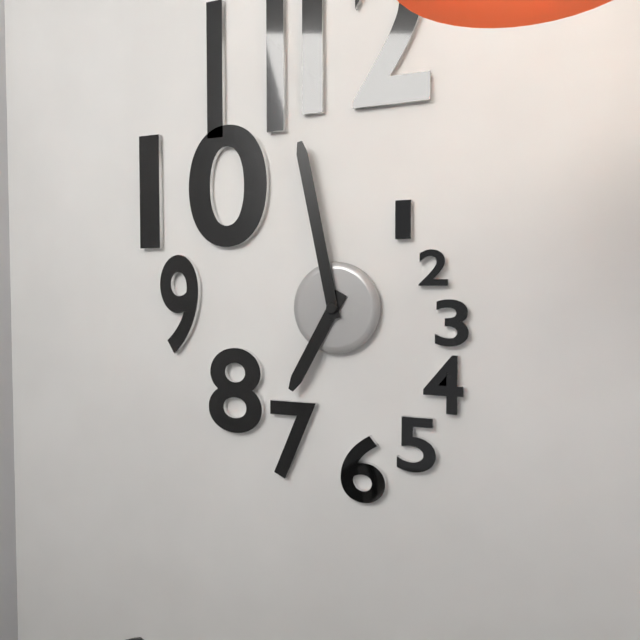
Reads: h=6 m=58
